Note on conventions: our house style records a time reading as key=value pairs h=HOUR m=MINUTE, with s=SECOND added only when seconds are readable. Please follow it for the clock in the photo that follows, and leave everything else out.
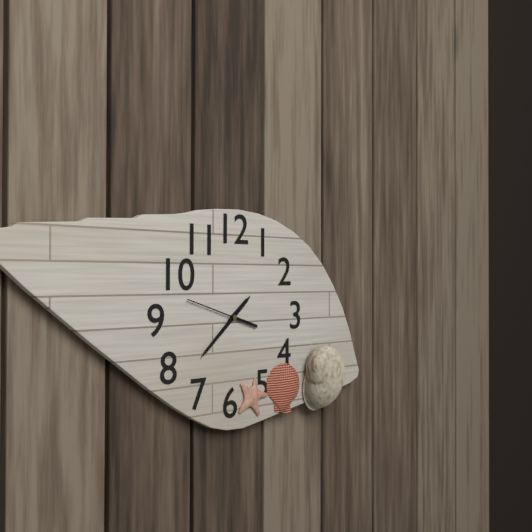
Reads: h=1 m=38 s=48
